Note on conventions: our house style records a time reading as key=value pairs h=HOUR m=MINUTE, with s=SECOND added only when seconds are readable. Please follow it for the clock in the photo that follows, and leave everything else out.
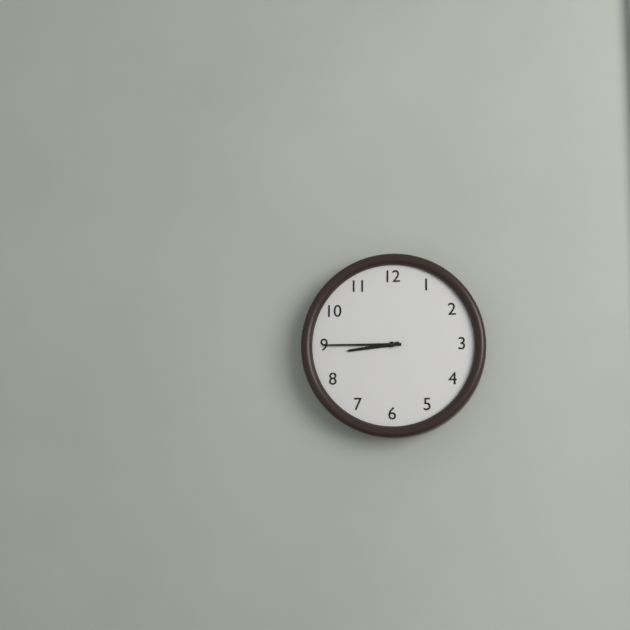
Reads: h=8 m=45
